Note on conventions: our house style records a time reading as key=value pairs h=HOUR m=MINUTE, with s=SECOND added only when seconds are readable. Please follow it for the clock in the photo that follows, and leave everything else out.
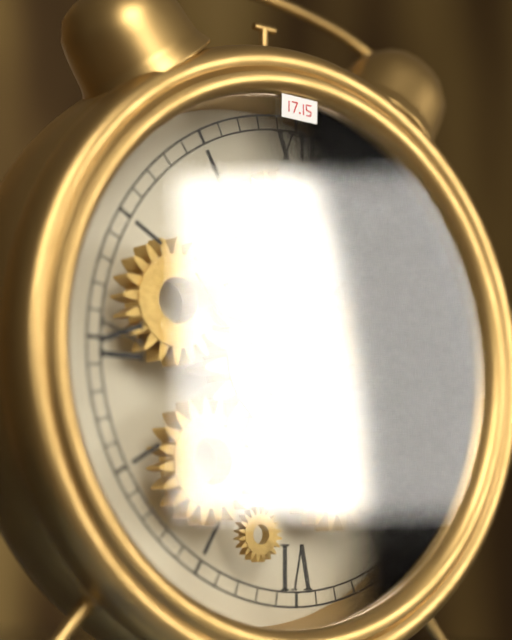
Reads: h=10 m=6
